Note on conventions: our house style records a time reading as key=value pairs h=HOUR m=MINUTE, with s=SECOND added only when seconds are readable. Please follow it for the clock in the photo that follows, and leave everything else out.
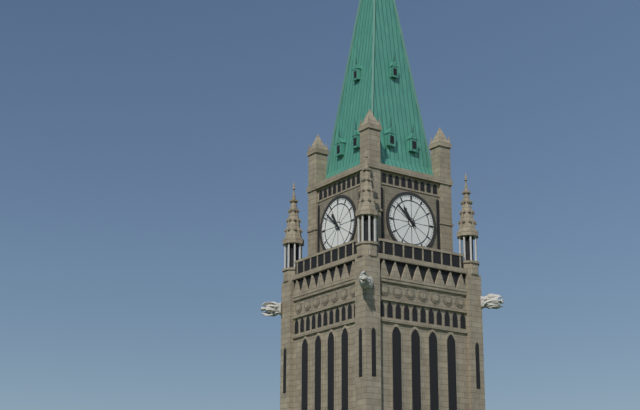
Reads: h=10 m=52
